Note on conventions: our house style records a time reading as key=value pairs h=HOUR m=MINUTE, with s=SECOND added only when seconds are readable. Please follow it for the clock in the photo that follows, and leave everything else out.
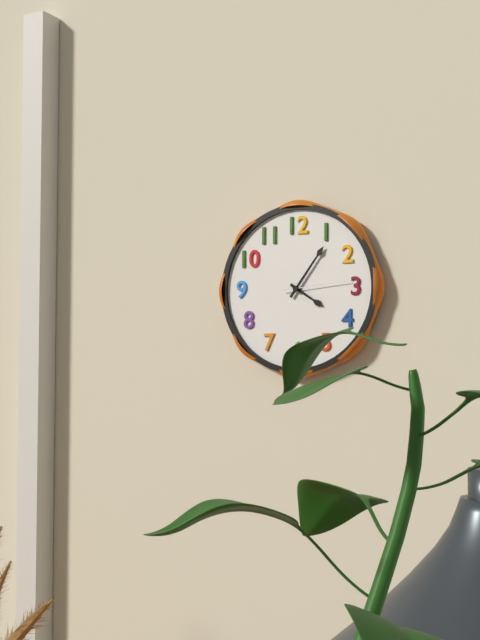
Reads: h=4 m=6 s=14
